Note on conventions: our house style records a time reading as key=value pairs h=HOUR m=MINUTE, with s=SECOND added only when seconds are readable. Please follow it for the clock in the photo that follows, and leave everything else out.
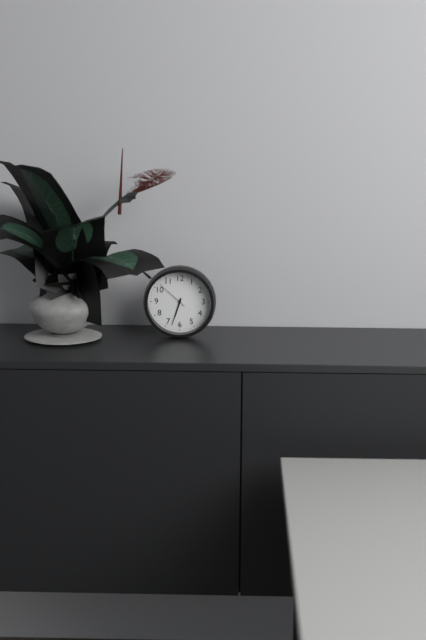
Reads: h=6 m=33
